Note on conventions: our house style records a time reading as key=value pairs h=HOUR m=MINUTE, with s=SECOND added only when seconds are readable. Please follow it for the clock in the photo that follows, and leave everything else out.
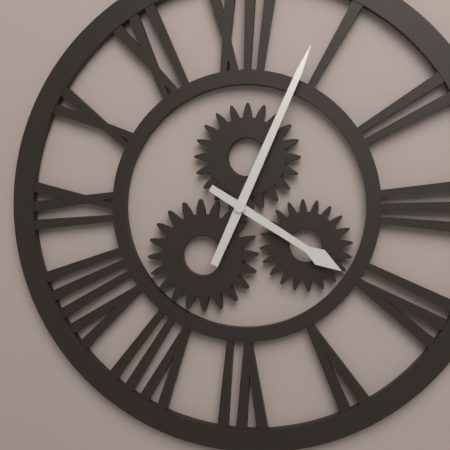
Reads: h=4 m=4
